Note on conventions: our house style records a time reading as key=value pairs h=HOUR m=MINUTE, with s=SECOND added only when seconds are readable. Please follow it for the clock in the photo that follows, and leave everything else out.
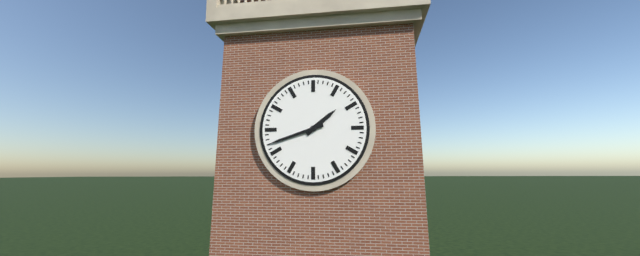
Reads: h=1 m=42
